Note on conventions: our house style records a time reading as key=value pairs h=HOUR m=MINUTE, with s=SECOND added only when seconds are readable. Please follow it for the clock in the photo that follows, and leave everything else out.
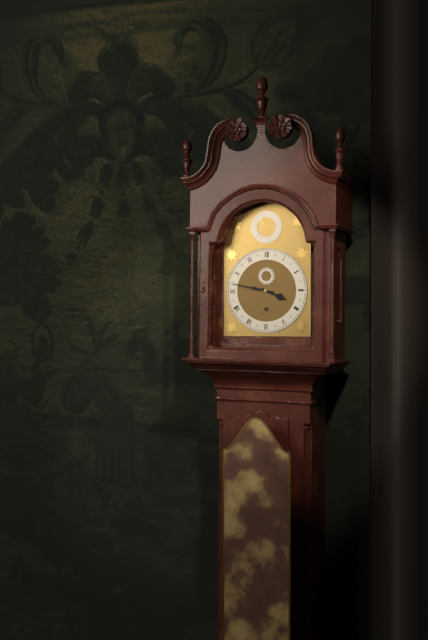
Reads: h=3 m=47
